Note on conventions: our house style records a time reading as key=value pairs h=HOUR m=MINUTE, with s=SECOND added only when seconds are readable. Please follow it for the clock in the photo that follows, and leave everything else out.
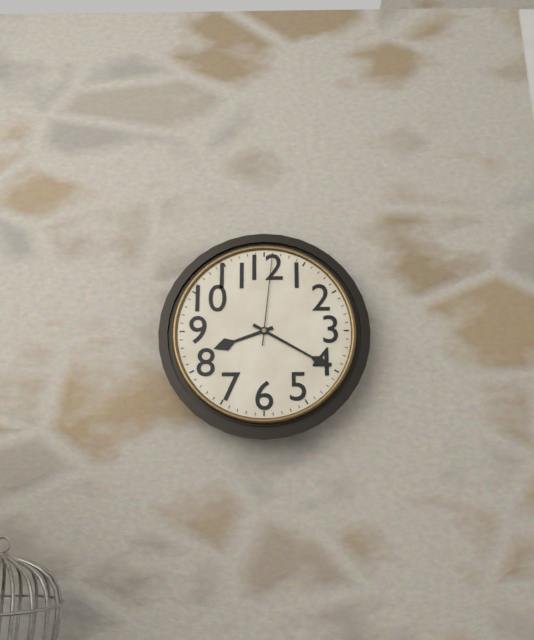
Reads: h=8 m=20 s=1
